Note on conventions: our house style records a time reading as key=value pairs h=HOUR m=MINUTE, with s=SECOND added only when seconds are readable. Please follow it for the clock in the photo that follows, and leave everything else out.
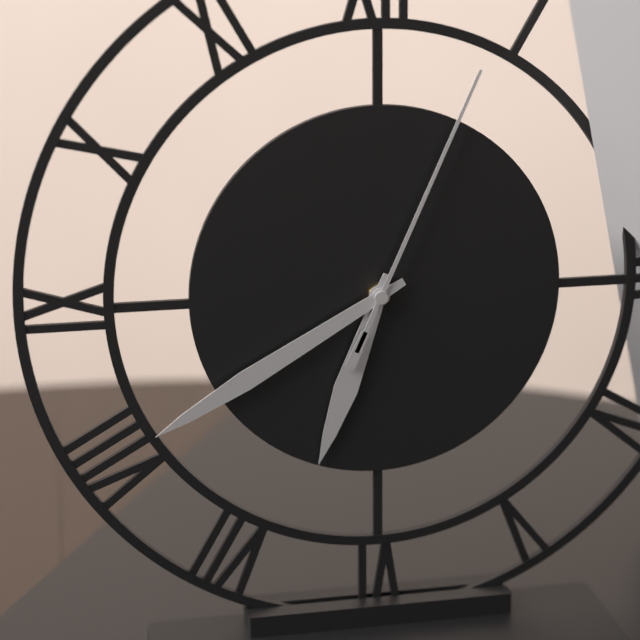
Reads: h=6 m=40 s=4
